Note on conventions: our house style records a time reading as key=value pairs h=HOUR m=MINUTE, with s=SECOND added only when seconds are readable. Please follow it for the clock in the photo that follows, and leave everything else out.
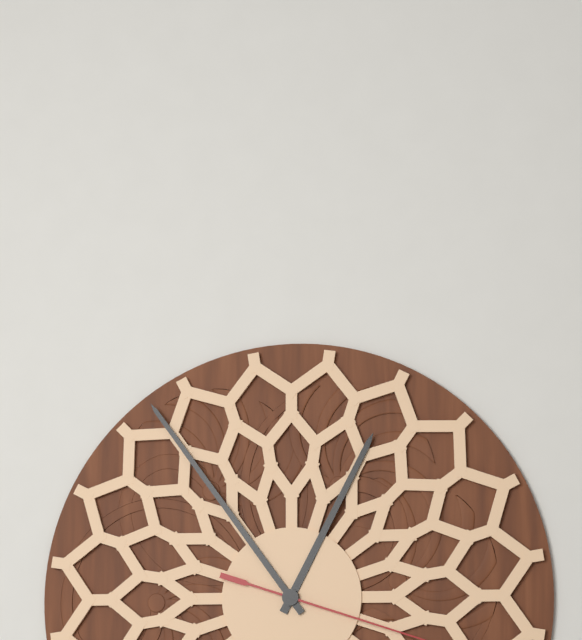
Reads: h=12 m=54
